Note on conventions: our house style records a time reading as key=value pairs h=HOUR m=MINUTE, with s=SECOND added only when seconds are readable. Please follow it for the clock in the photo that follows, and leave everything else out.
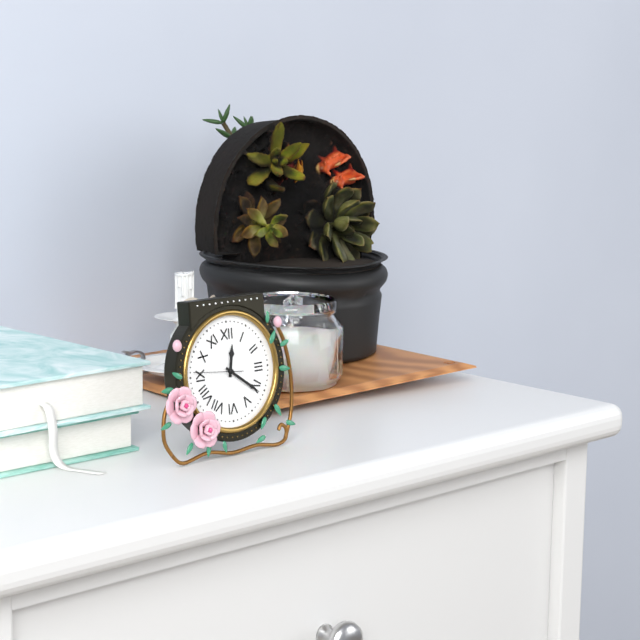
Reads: h=12 m=21
